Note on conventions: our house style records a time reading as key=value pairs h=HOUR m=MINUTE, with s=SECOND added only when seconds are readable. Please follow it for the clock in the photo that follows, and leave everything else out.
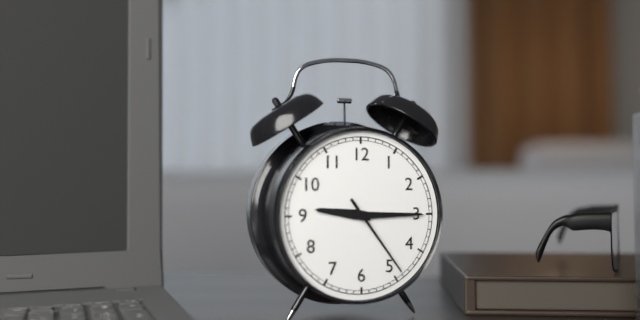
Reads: h=9 m=15 s=24
